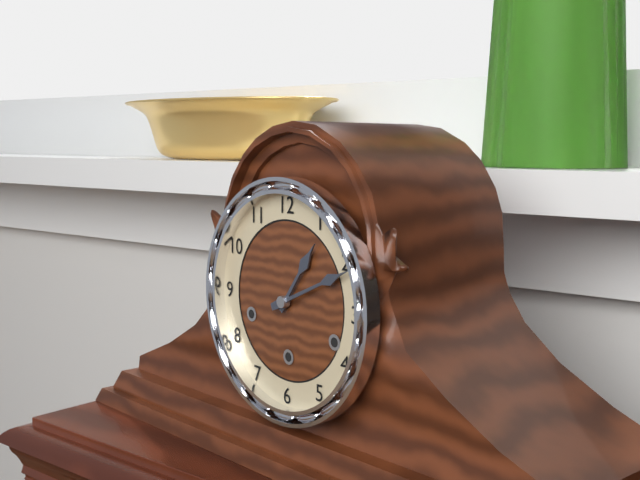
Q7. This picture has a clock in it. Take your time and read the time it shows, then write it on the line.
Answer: 1:11
